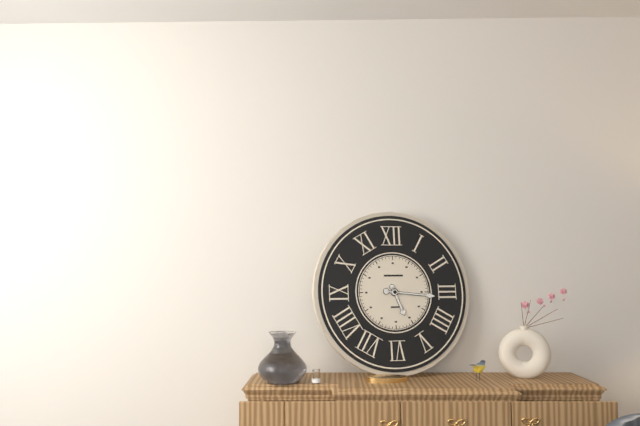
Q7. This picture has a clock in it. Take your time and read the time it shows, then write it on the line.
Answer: 5:16
